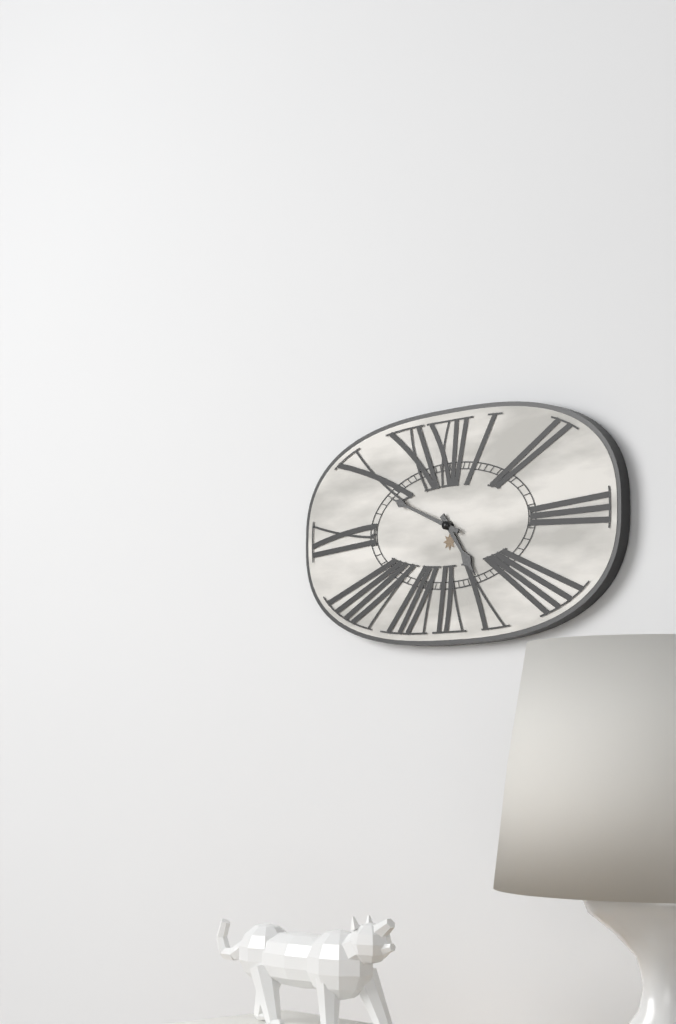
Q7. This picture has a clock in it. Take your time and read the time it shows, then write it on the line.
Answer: 4:49
